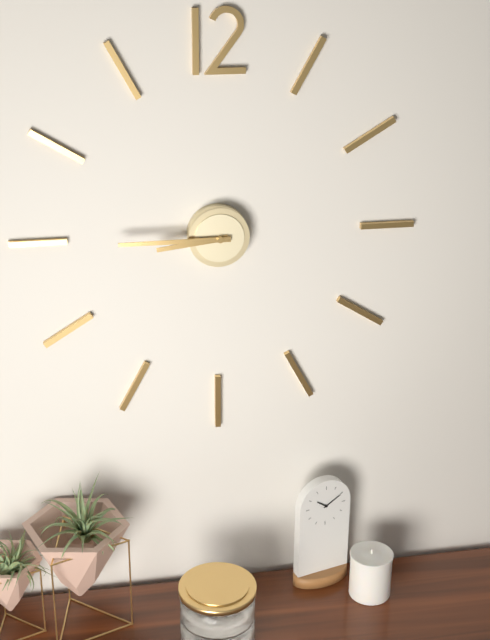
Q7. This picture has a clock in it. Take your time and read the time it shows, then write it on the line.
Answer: 8:45
